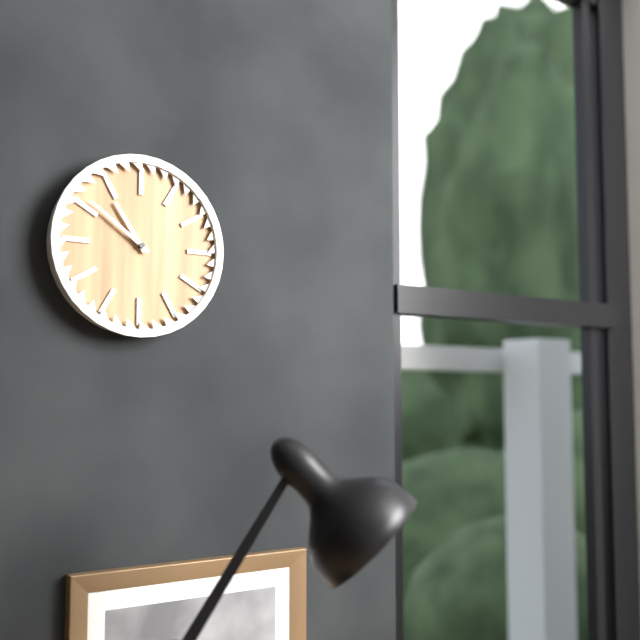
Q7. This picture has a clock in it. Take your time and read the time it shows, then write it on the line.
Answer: 10:51
